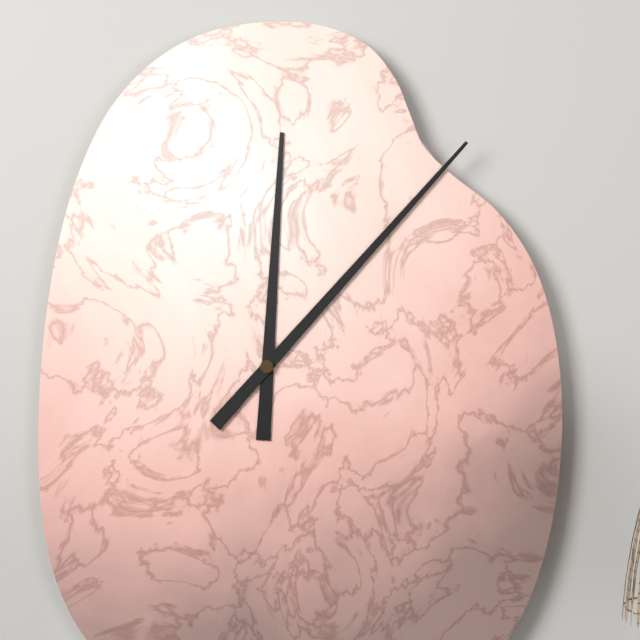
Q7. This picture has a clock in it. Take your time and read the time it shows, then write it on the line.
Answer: 12:07
